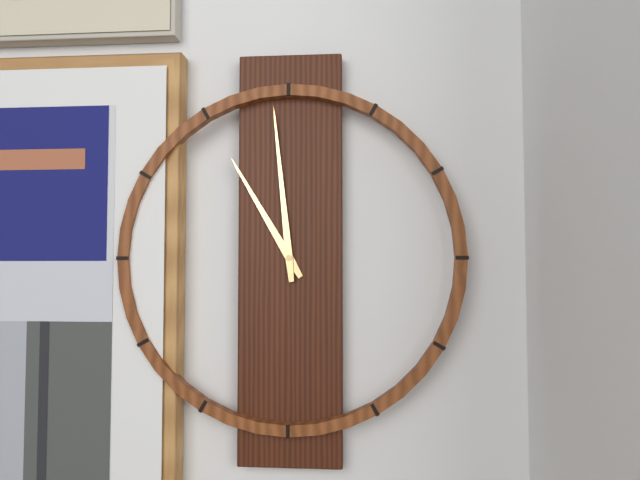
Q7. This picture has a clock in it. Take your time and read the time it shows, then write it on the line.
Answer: 10:59
